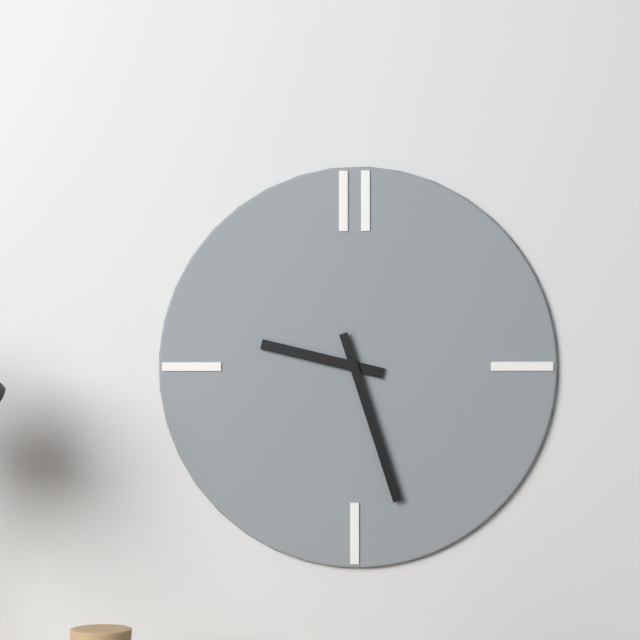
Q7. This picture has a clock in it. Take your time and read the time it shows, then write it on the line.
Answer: 9:27
